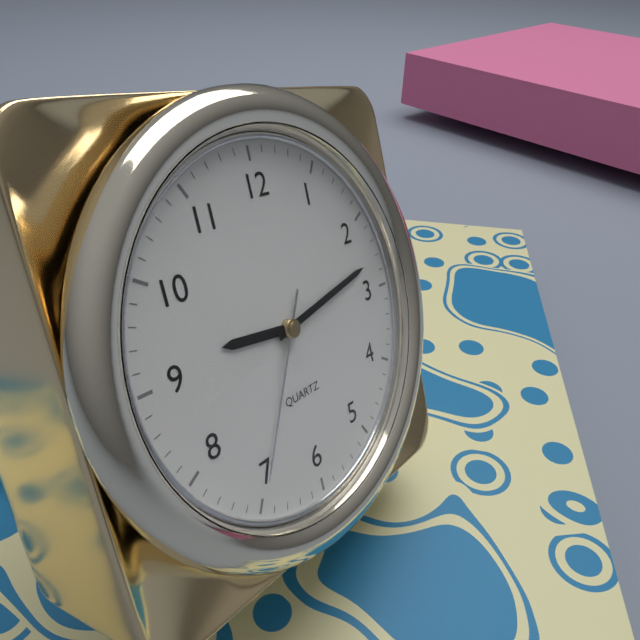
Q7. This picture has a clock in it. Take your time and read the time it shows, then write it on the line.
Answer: 9:13:35
